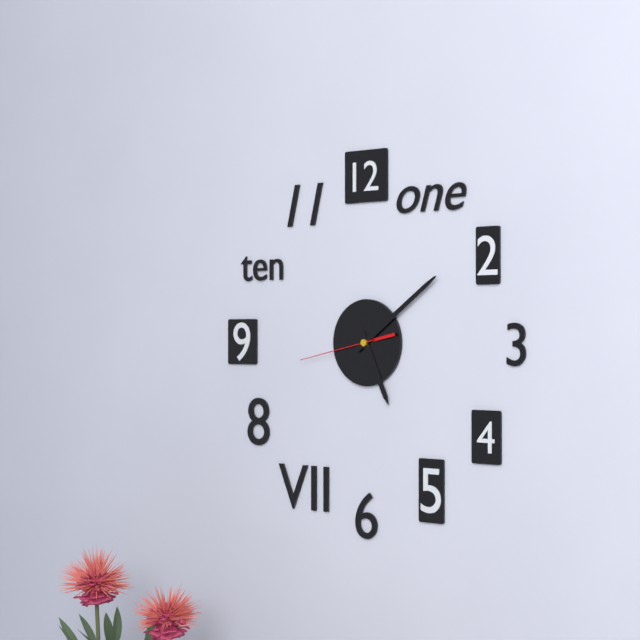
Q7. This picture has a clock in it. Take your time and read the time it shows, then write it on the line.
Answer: 5:09:43
